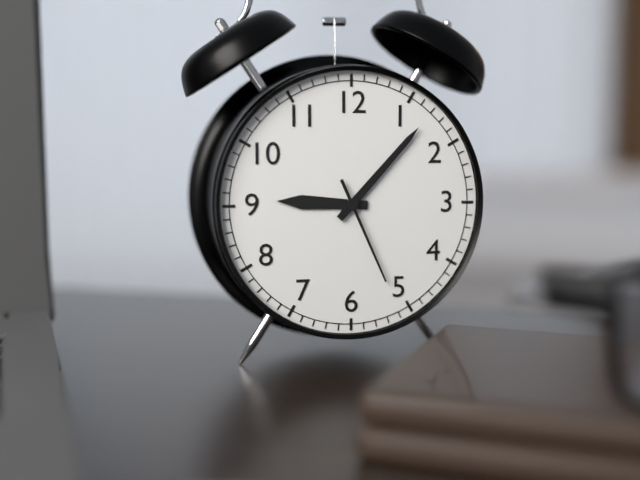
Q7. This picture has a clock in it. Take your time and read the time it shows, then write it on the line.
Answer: 9:07:26
